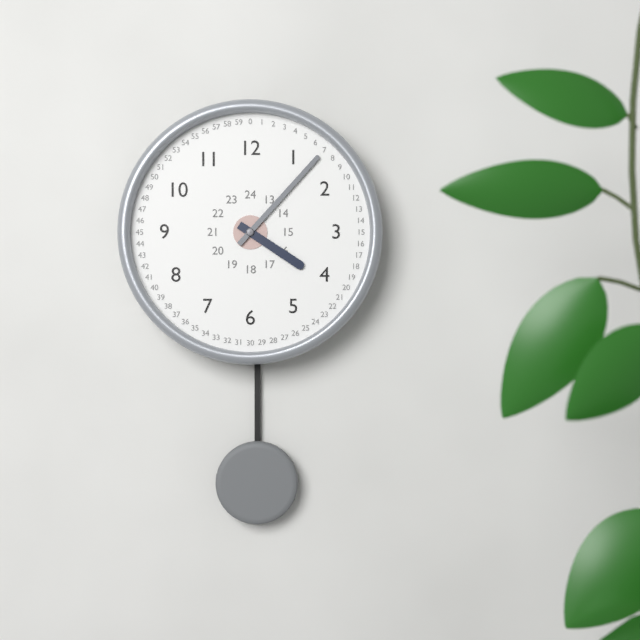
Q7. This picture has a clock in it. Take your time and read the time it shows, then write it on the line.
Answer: 4:07
